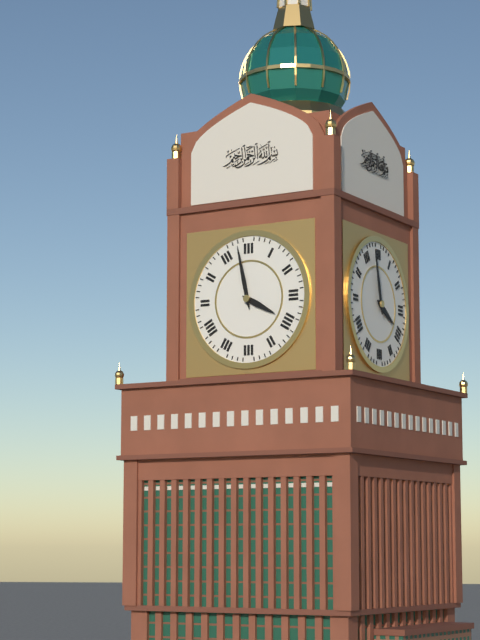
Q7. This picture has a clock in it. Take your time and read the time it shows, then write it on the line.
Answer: 3:58
